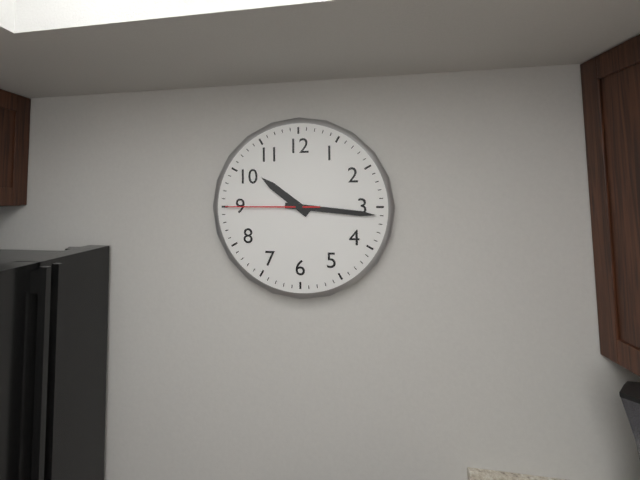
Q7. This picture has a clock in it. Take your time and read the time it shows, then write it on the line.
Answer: 10:16:45
